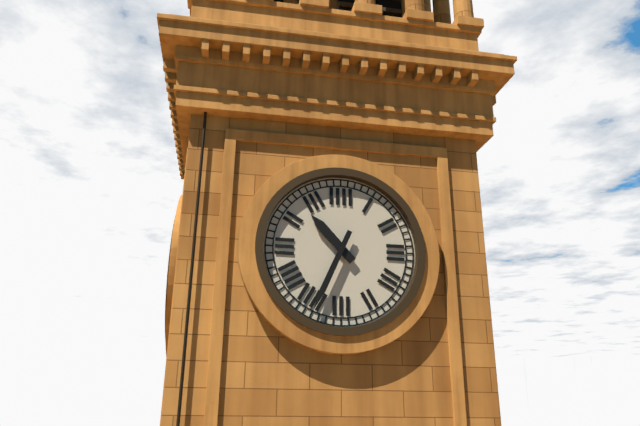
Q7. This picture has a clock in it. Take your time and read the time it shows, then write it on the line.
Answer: 10:34
